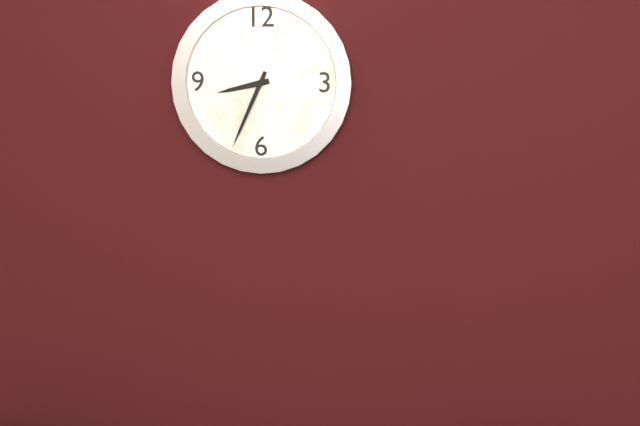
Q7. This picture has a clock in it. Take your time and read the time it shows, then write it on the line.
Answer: 8:34
